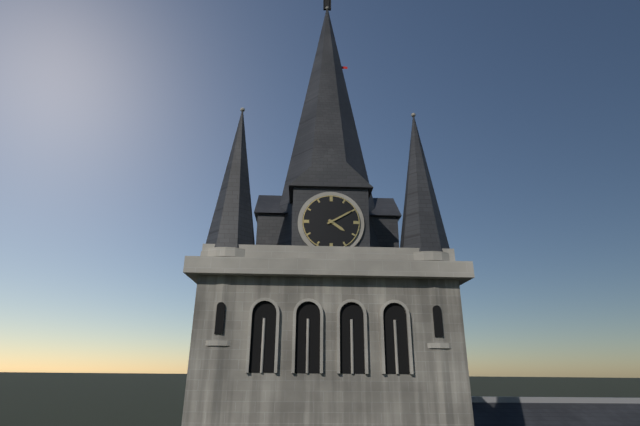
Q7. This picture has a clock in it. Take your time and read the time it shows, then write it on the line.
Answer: 4:10
